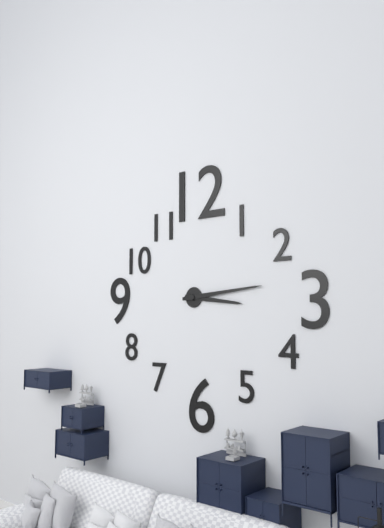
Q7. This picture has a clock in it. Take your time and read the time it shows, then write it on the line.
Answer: 3:14
